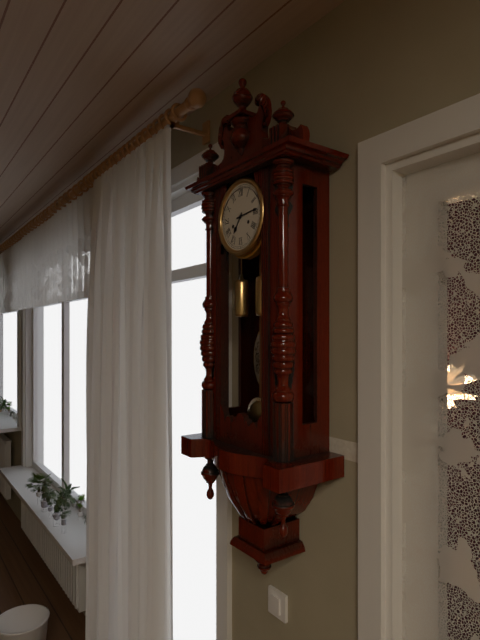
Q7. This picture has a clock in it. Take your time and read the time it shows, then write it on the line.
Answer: 7:14
